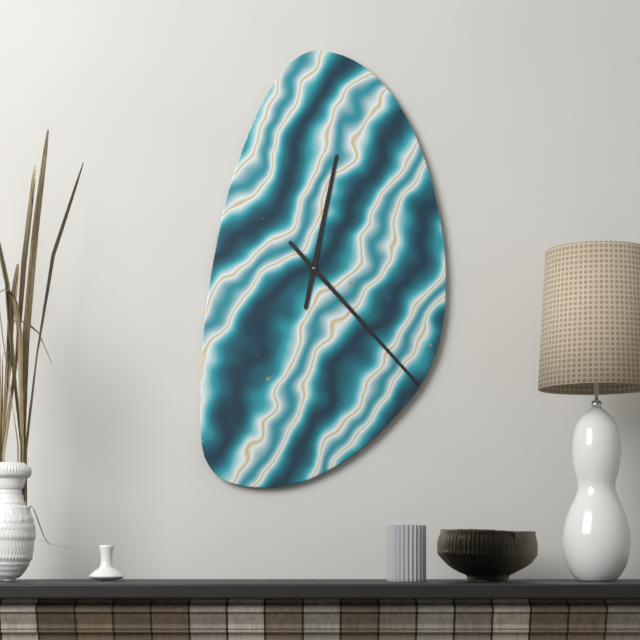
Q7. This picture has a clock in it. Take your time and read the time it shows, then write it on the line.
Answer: 12:23
